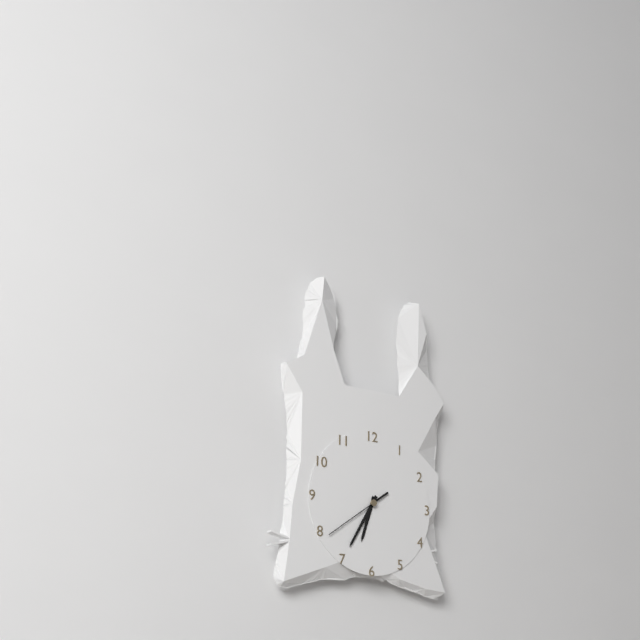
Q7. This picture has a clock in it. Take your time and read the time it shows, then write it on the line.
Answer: 6:35:39
